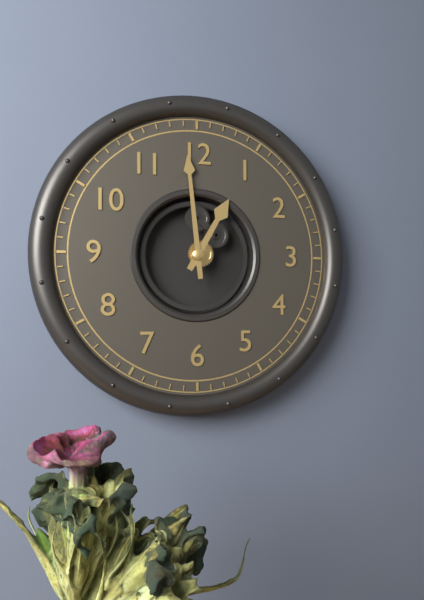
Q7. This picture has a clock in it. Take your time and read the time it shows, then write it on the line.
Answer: 12:59
